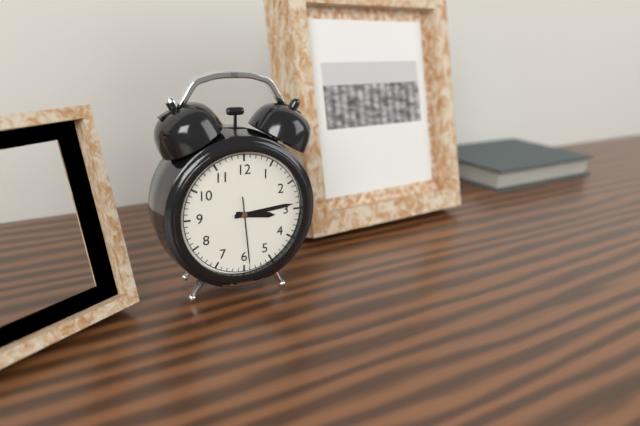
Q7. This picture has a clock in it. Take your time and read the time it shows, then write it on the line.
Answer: 3:14:29
